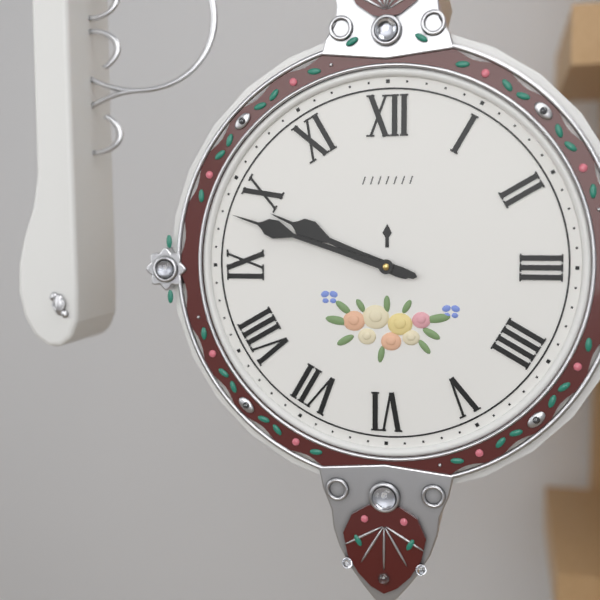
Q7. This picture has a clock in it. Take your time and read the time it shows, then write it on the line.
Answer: 9:48
